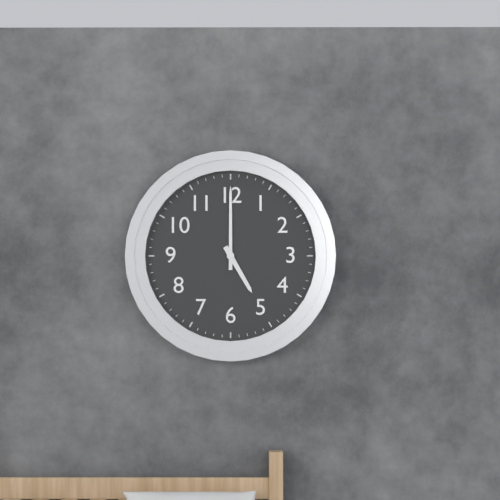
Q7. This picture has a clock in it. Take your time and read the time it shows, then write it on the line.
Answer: 5:00
